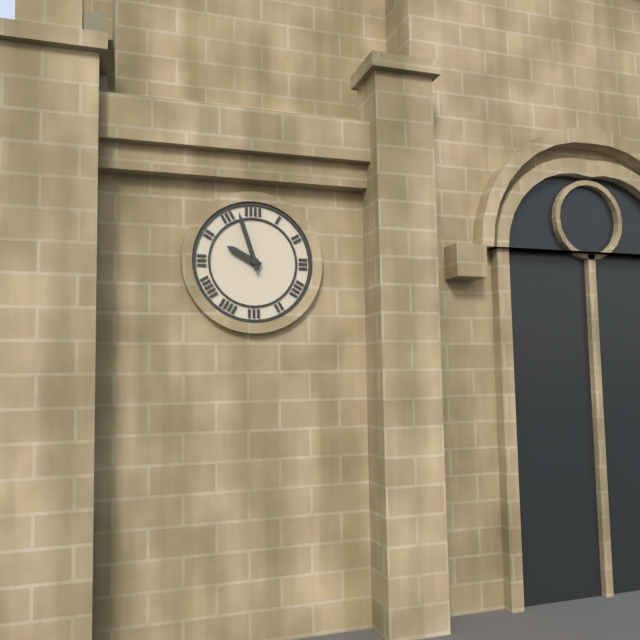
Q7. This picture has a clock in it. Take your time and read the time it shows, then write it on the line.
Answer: 9:57
